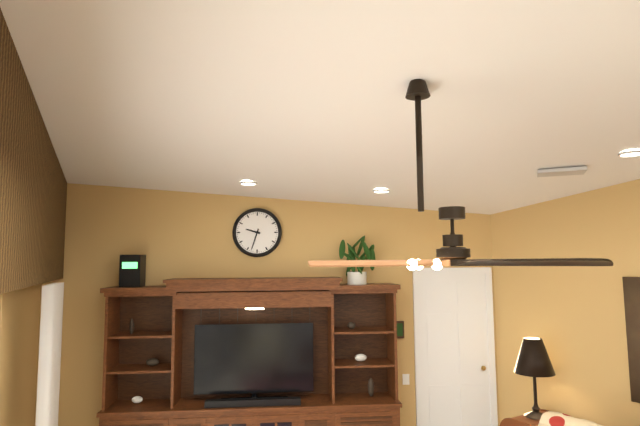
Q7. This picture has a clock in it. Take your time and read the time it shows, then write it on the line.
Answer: 9:33
